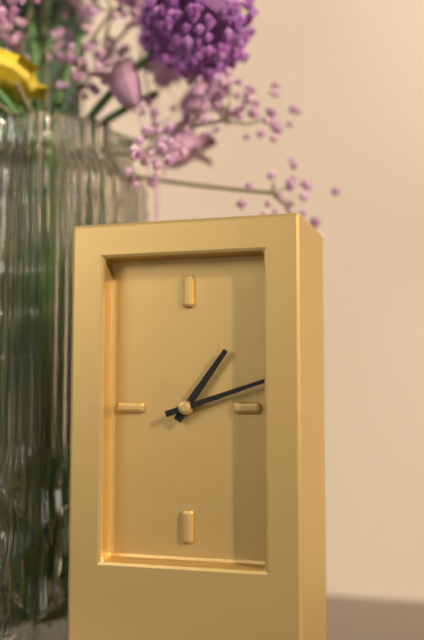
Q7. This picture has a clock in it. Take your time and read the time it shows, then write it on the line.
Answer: 1:12
